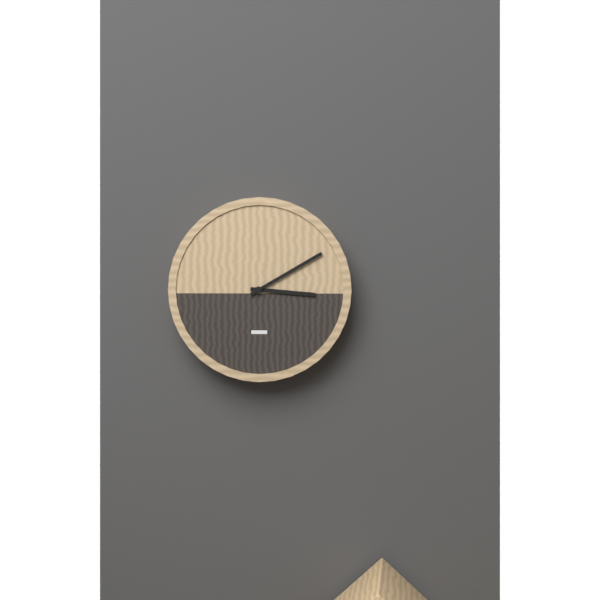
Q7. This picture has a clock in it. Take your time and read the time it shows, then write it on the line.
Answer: 3:10
